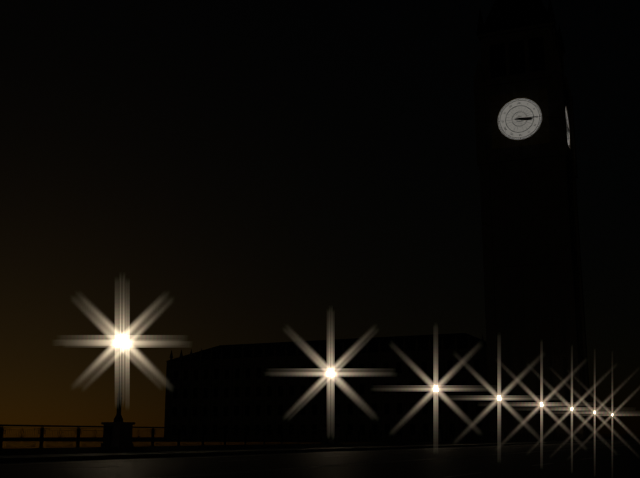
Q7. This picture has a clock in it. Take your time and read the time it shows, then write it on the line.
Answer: 3:15
